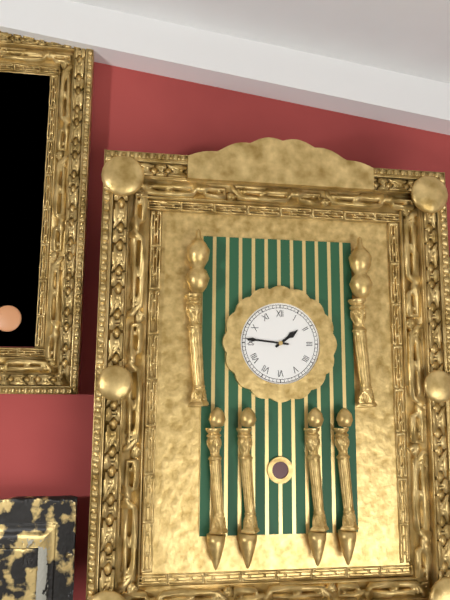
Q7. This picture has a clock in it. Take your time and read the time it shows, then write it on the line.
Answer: 1:46
